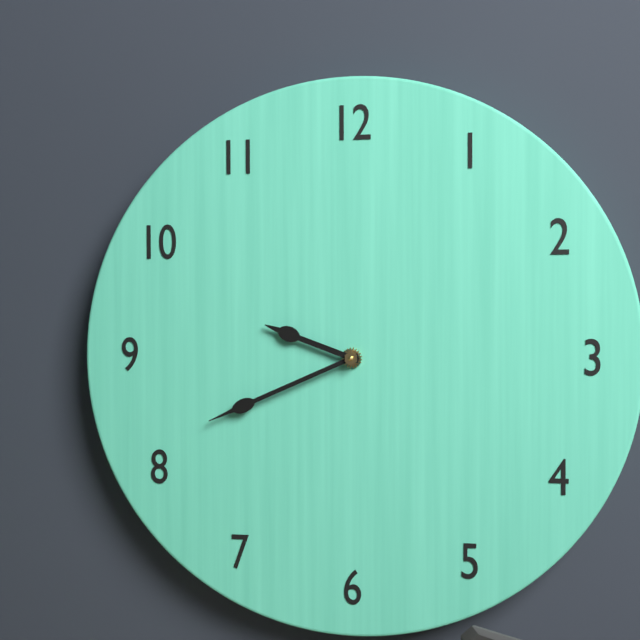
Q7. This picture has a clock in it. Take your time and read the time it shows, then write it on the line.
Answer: 9:41
